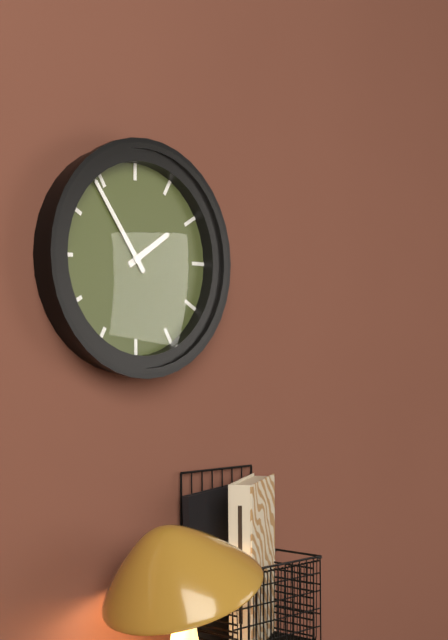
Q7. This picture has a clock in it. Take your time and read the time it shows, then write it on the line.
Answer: 1:54
